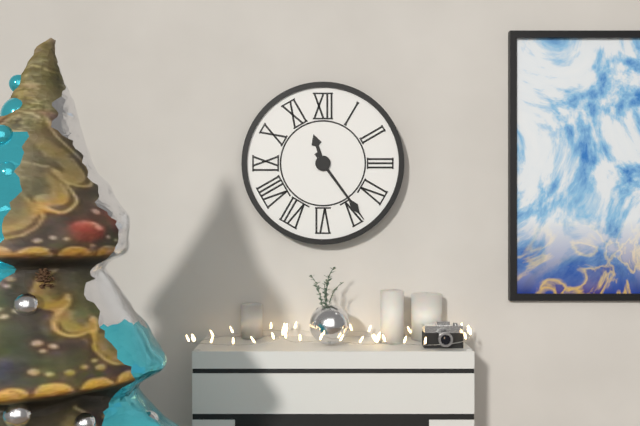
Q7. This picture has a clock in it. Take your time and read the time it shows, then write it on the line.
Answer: 11:24
